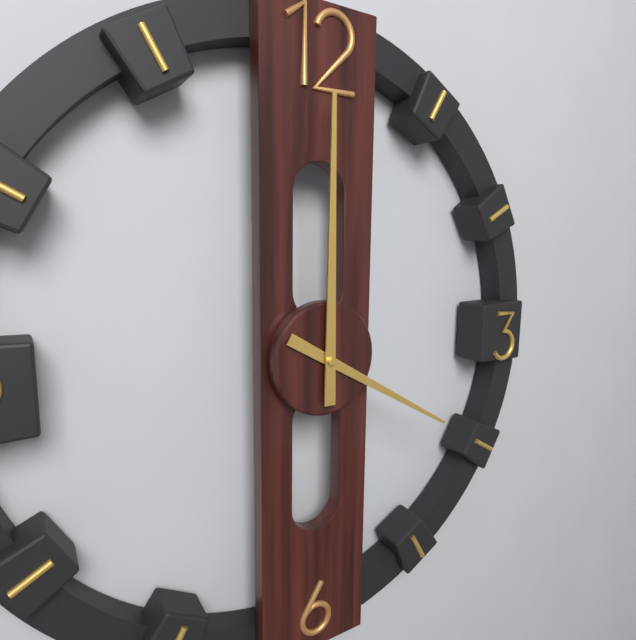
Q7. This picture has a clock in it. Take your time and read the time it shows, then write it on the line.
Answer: 4:00
